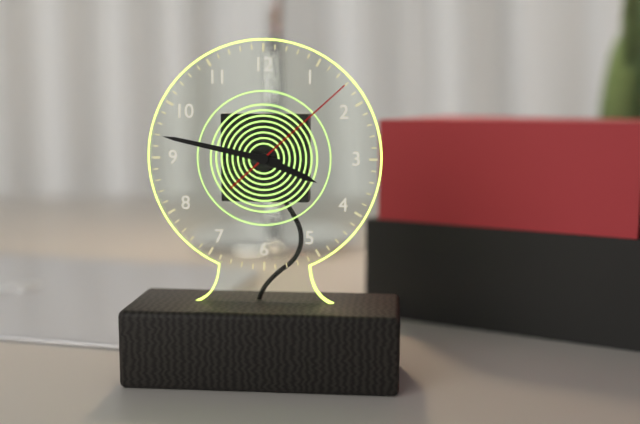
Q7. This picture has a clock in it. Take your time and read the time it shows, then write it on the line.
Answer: 3:47:08
